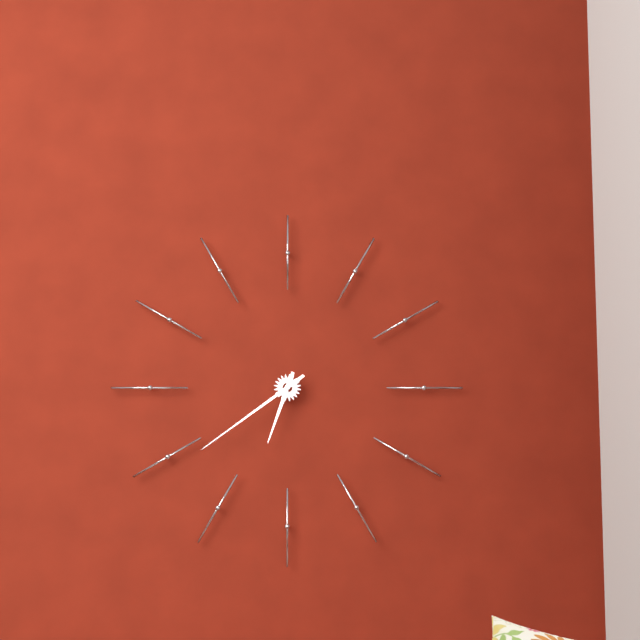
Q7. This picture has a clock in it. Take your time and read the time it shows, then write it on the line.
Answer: 6:39
